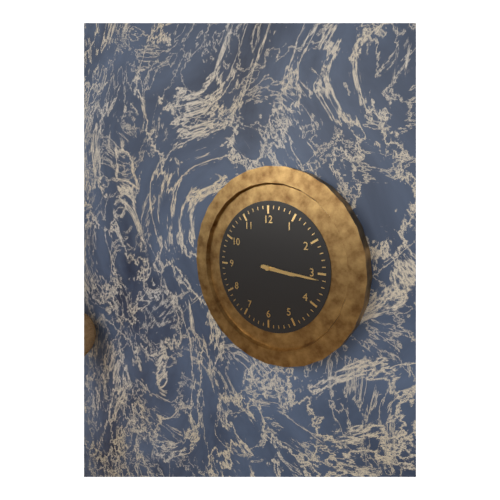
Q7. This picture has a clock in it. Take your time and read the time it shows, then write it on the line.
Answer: 3:16
